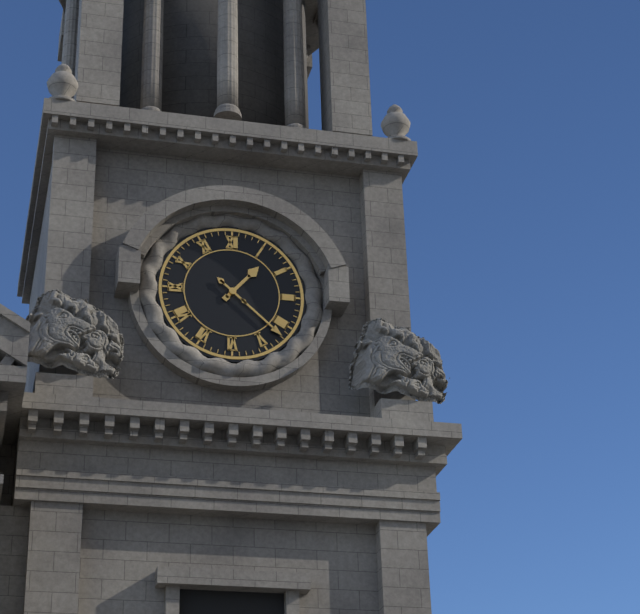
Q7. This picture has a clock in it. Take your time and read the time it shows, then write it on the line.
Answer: 1:22
